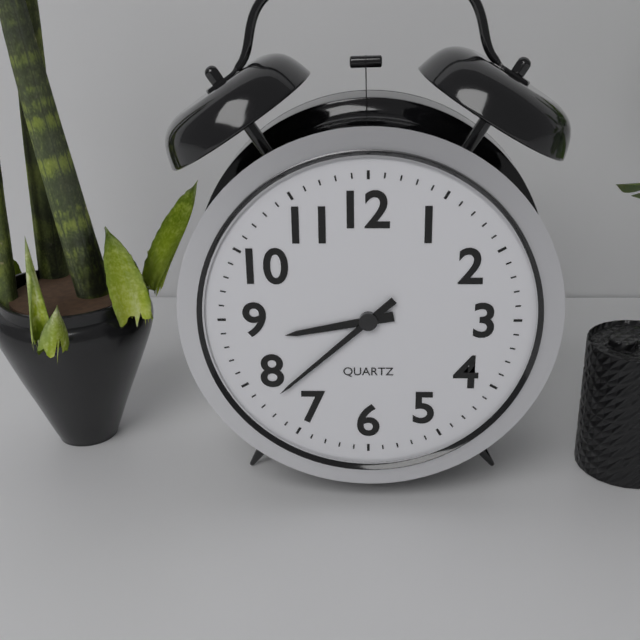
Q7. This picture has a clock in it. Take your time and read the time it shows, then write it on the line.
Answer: 8:38
